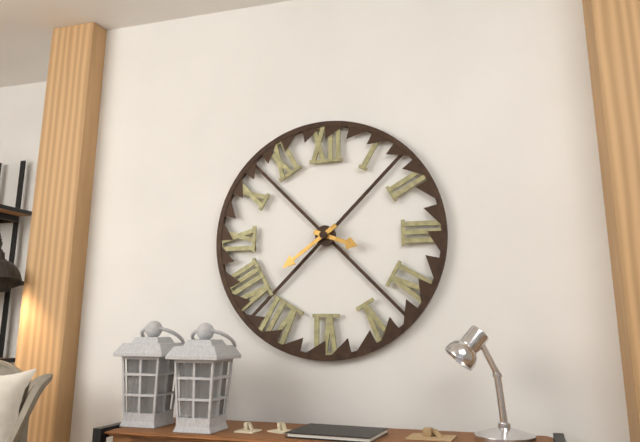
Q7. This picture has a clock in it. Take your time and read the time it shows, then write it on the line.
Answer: 3:39
